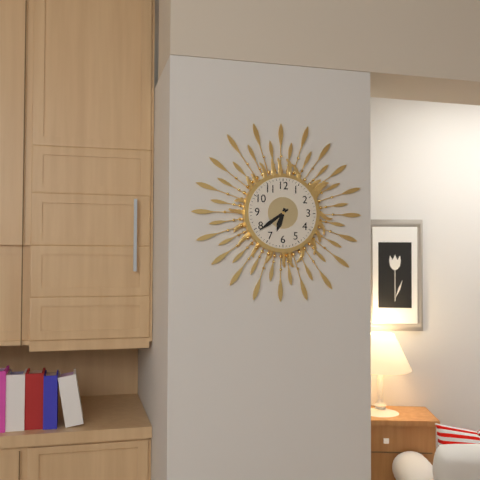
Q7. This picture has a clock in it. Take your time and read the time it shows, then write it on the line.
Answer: 6:39
